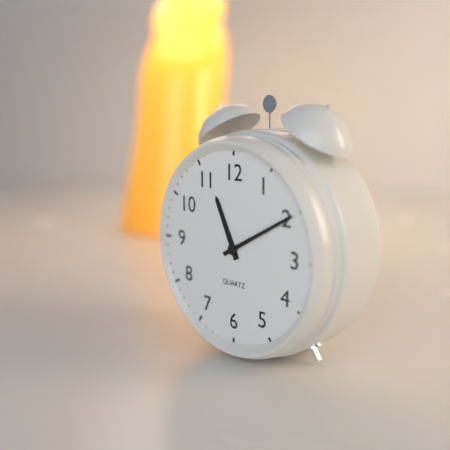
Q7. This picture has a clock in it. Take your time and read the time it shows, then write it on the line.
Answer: 11:10
